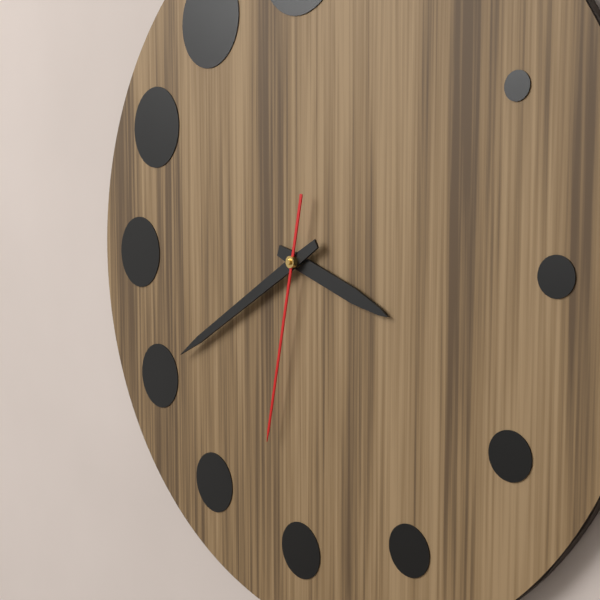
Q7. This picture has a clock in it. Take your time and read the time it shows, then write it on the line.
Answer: 3:40:32
